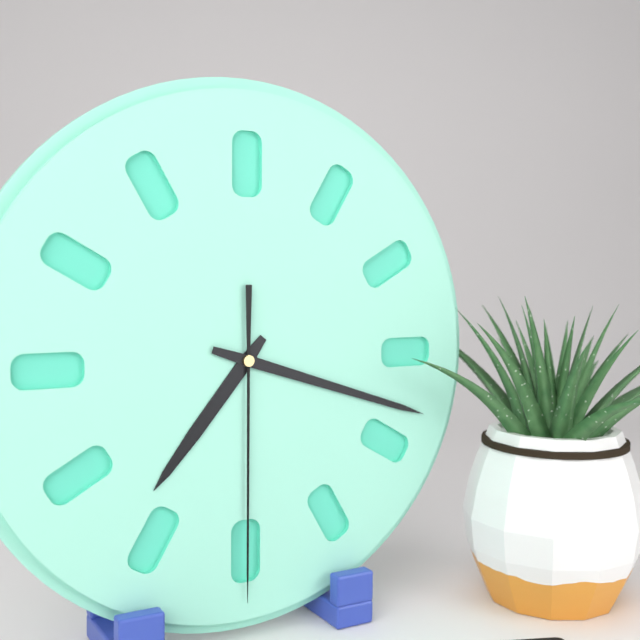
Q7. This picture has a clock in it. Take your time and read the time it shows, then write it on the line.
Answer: 7:18:30
